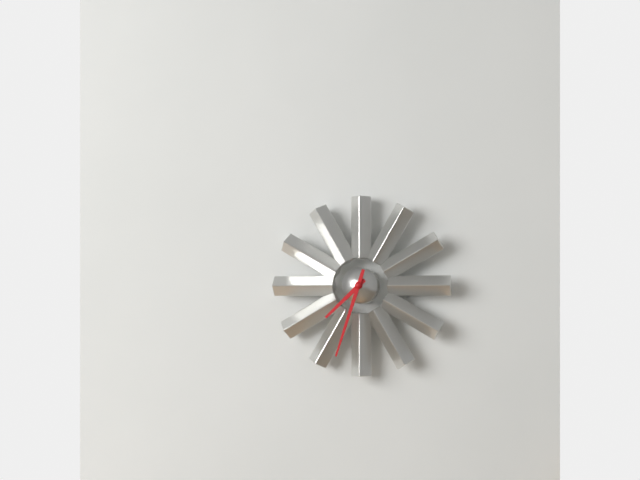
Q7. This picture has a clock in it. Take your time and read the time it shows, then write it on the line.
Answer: 7:33
